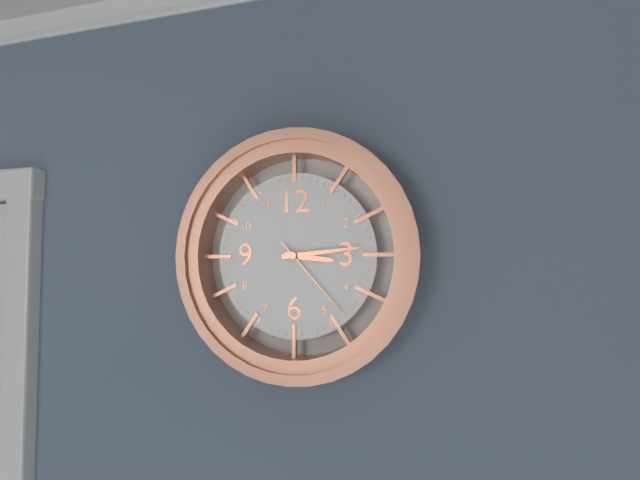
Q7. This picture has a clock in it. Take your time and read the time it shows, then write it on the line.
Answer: 3:14:23
